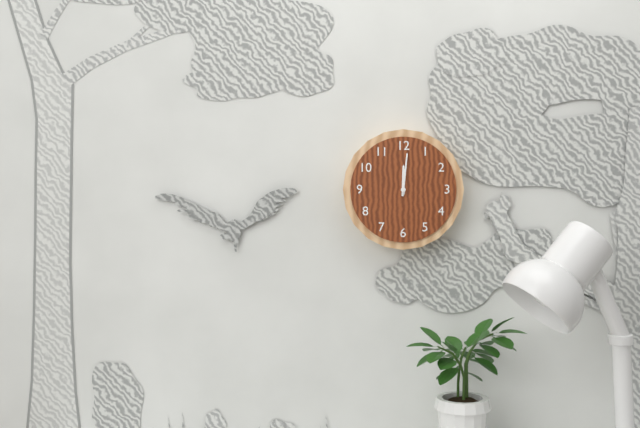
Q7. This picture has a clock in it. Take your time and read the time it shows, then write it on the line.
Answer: 12:01
